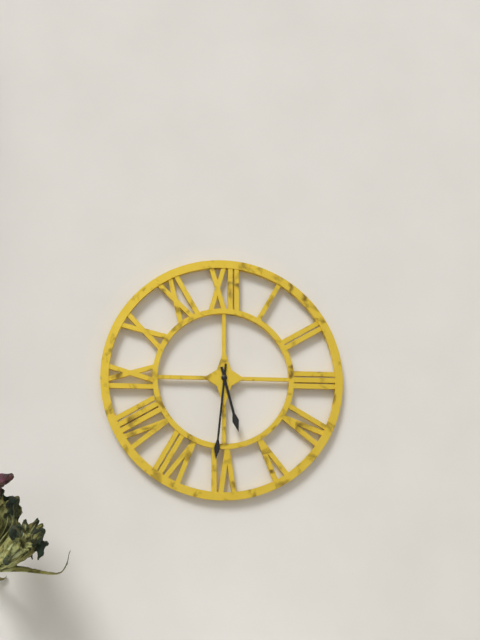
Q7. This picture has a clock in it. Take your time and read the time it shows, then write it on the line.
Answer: 5:31
